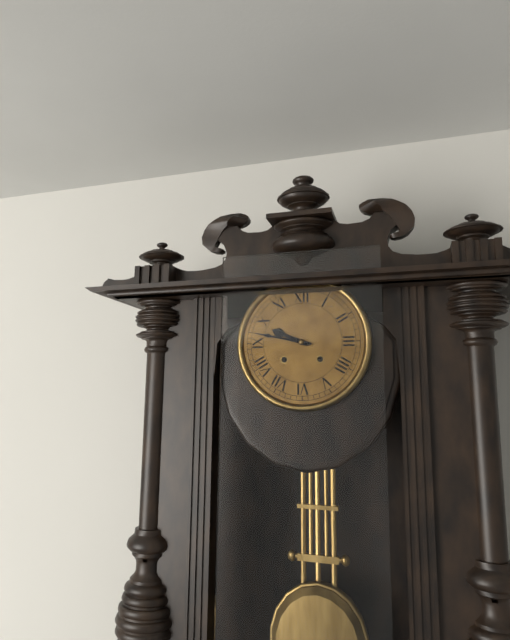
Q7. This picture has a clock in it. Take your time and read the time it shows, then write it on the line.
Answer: 9:47
